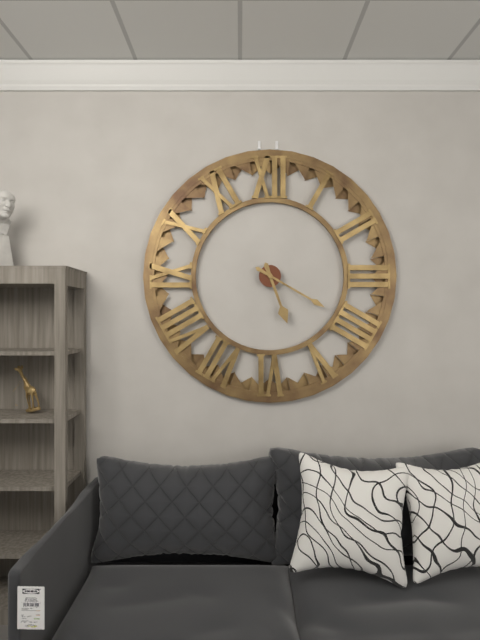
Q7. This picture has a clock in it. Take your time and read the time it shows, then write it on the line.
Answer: 5:20
